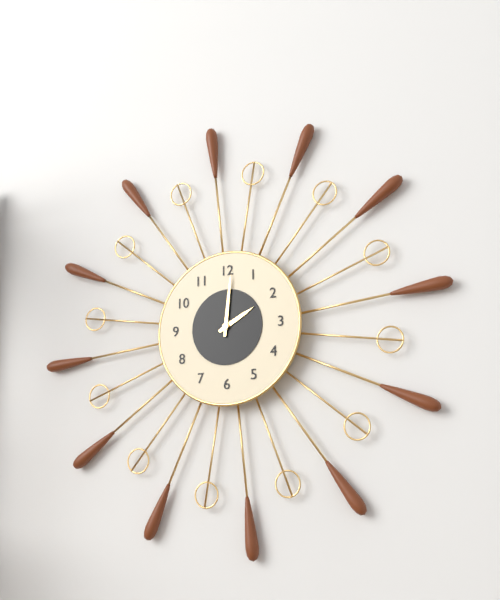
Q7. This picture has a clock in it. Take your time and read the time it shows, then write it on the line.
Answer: 2:01
